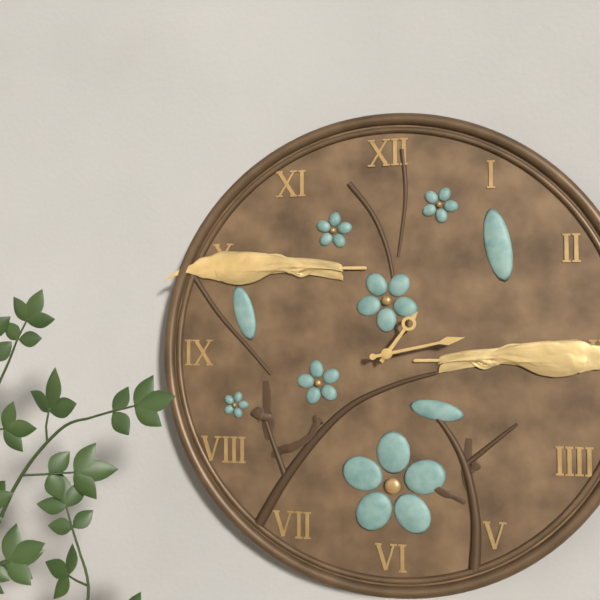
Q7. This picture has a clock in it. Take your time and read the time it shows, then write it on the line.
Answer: 1:13
